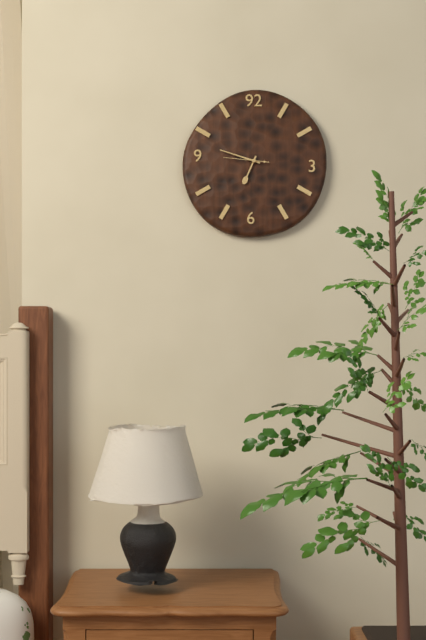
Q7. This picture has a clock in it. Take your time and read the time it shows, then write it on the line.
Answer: 6:48
